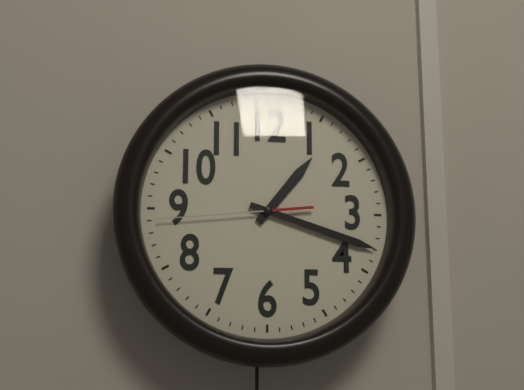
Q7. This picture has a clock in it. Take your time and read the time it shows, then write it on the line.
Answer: 1:18:44
